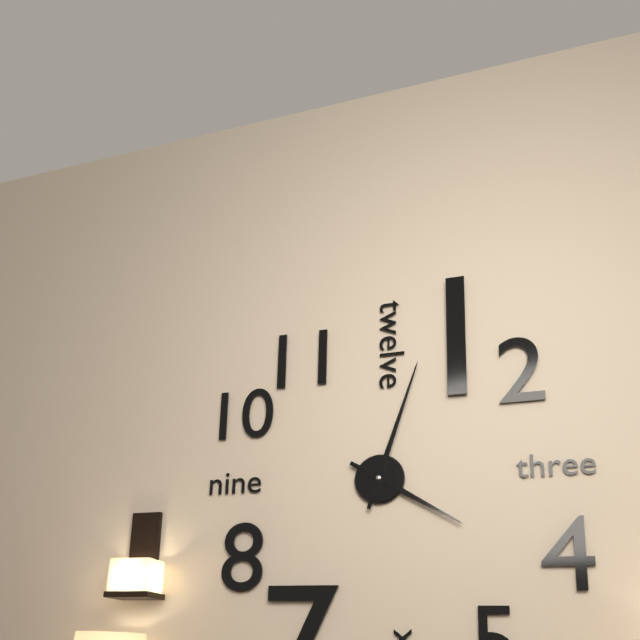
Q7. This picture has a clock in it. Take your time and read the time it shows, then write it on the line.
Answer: 4:03
